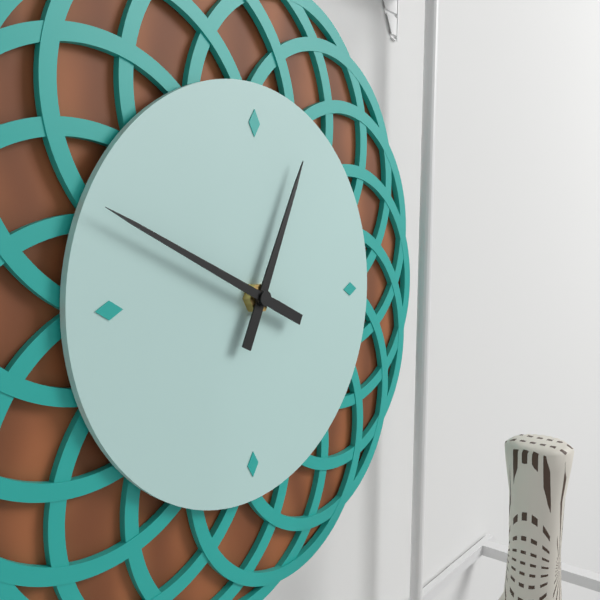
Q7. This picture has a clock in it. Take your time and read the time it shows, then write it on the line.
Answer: 12:49
